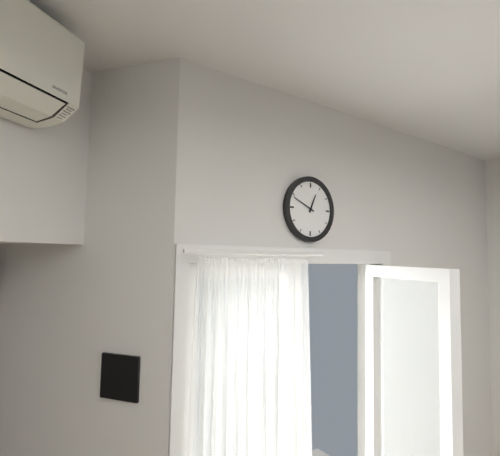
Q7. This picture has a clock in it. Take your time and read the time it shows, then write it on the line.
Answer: 12:49
